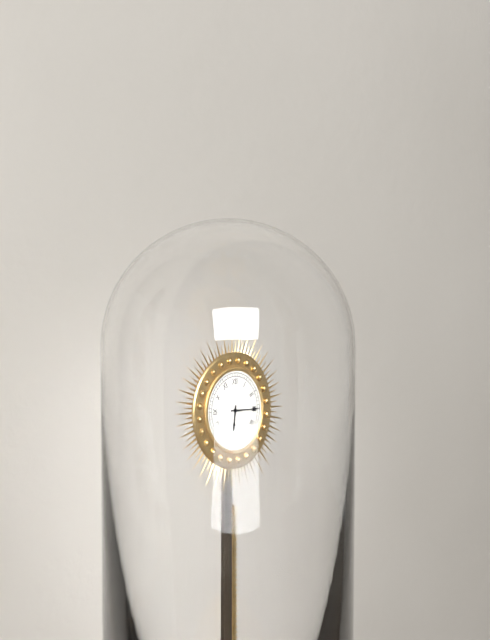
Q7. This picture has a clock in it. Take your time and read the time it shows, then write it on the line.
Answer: 6:15
